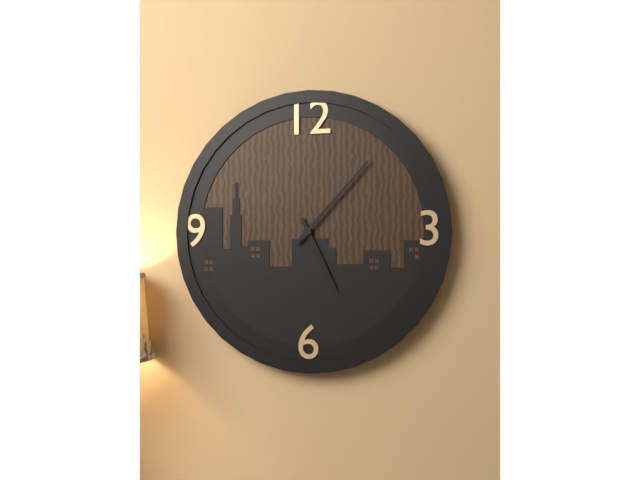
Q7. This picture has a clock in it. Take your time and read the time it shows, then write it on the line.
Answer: 5:07
